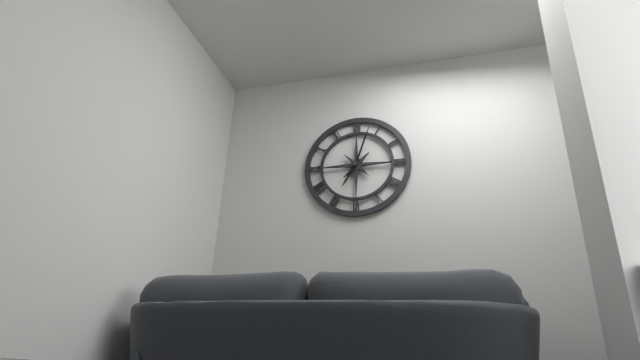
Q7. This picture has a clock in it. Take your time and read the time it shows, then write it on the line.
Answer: 7:03
